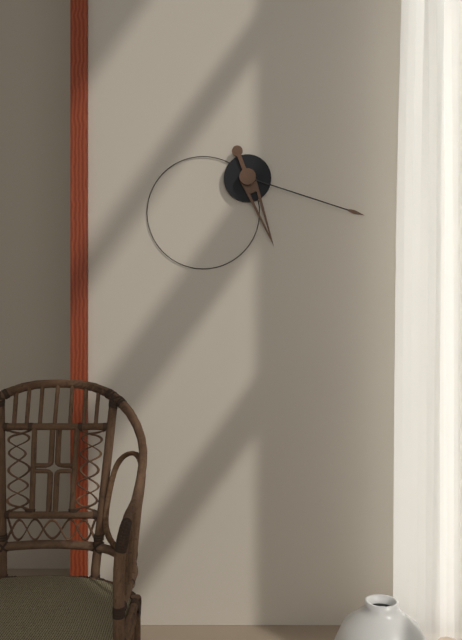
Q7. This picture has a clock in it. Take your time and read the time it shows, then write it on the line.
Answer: 5:18
